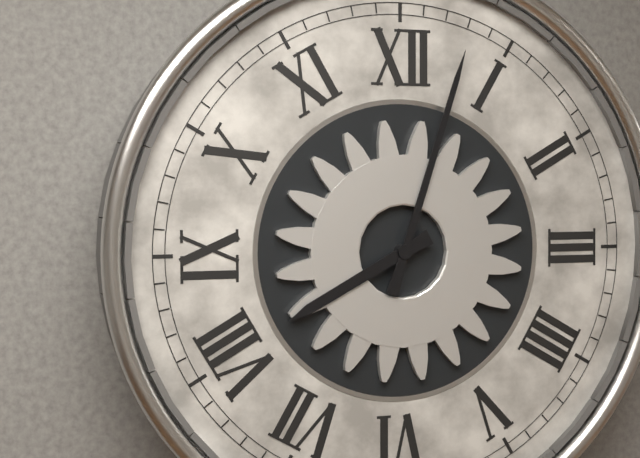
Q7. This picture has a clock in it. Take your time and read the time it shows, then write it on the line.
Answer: 8:03
